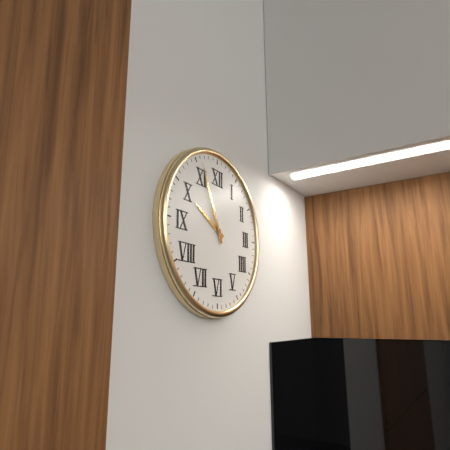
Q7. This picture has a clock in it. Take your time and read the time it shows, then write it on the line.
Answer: 9:56
